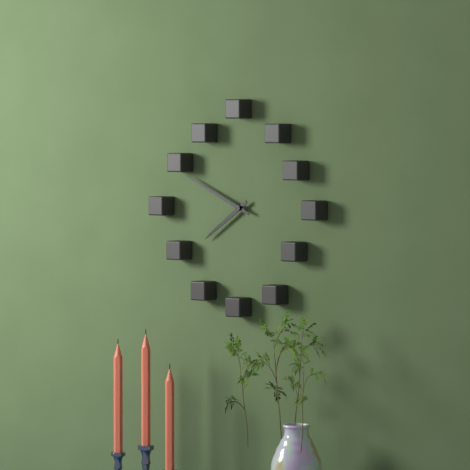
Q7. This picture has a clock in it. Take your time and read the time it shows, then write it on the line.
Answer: 7:49
